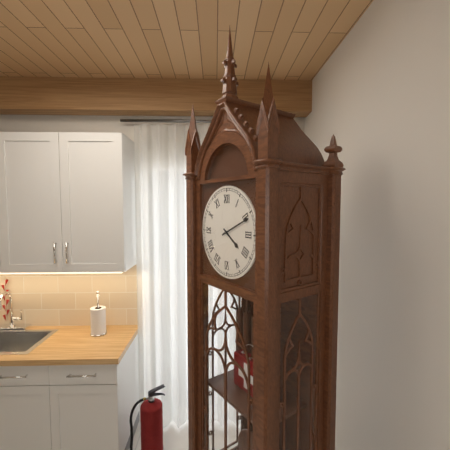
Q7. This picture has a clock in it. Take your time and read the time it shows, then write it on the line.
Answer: 4:11
